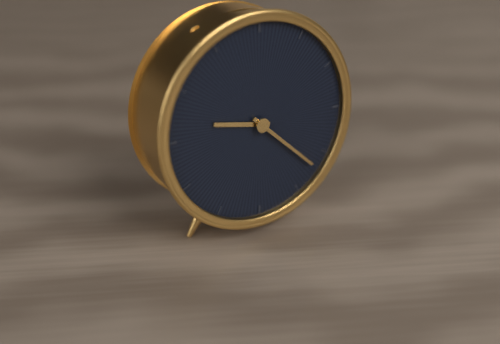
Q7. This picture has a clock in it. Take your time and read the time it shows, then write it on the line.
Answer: 9:22
